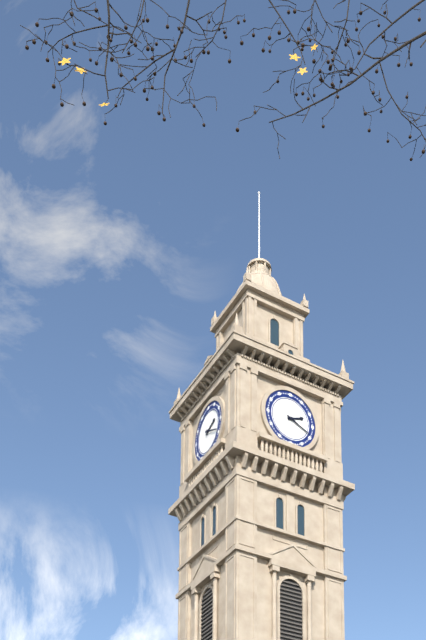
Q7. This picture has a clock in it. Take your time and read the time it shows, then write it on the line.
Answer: 2:19
